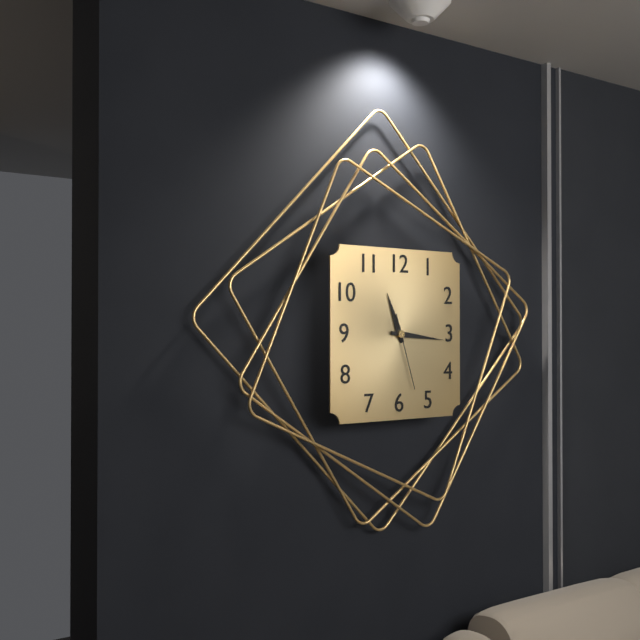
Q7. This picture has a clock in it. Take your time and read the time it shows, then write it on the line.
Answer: 11:16:27
